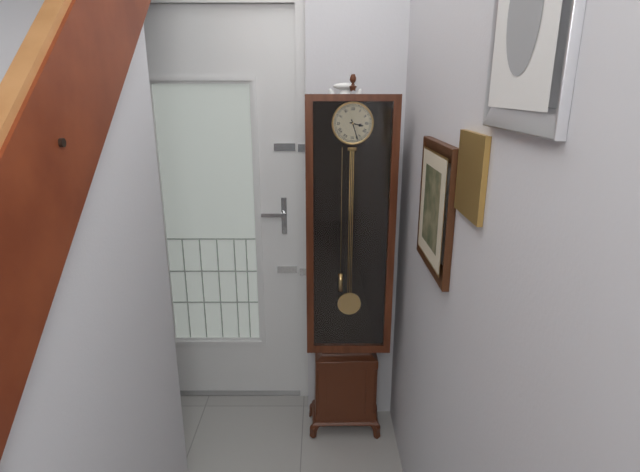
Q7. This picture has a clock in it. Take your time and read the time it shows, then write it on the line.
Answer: 3:27
